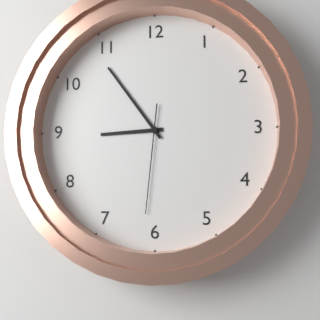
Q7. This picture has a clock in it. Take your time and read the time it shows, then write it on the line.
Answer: 8:54:31
